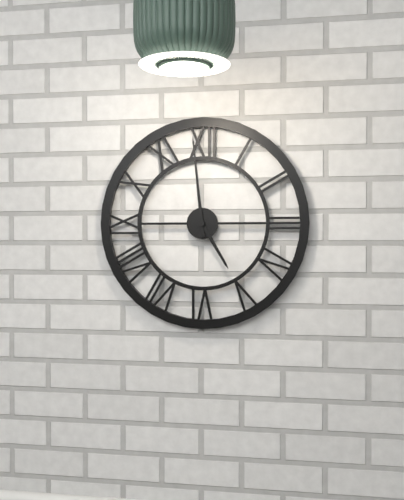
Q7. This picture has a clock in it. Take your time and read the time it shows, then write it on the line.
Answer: 4:59
